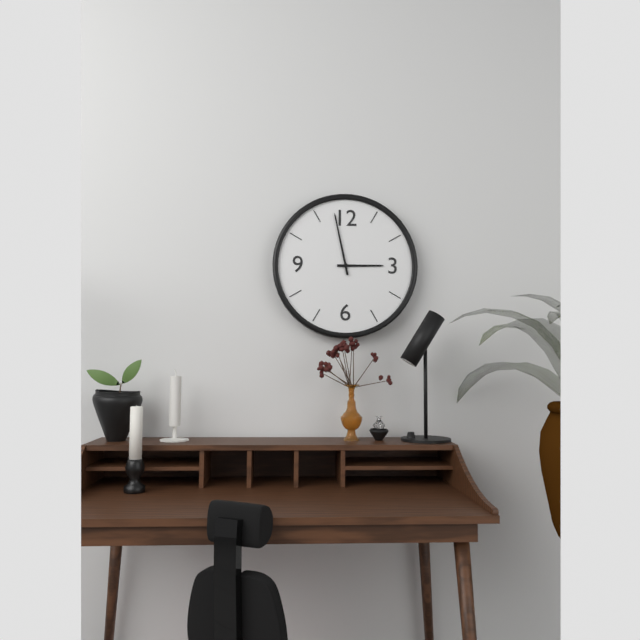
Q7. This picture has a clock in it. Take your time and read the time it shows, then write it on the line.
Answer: 2:58
